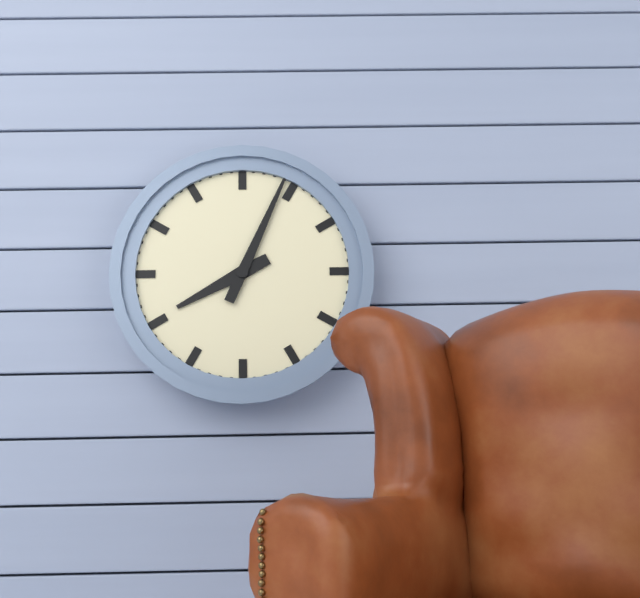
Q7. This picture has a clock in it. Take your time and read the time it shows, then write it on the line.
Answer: 8:04
